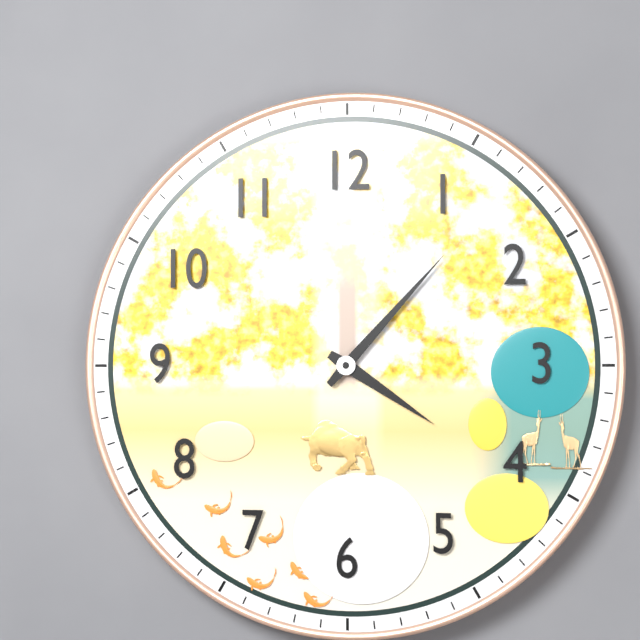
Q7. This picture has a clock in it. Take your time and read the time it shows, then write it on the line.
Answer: 4:07
